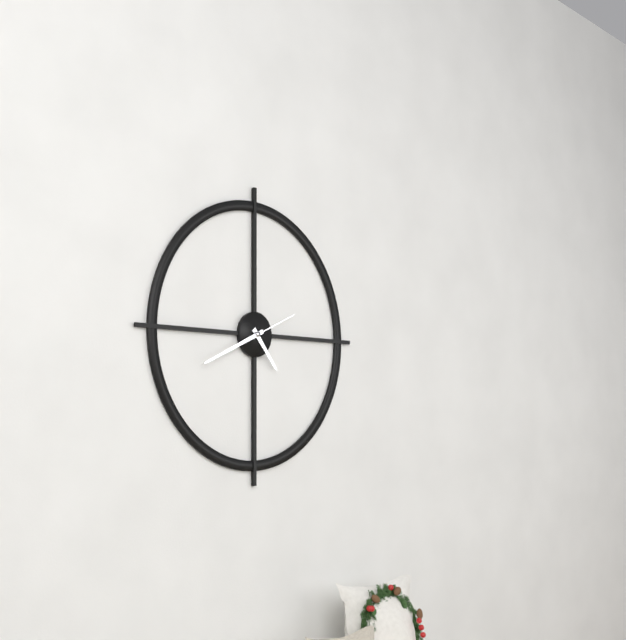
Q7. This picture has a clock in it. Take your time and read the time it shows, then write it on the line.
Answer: 4:41:11
